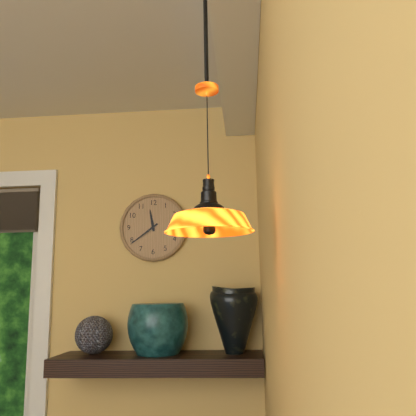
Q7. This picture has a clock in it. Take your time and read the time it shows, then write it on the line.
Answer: 11:39
